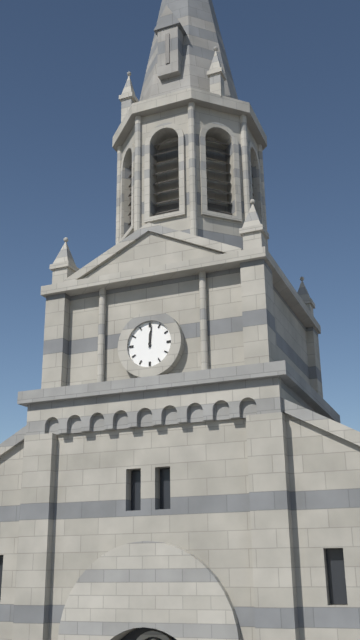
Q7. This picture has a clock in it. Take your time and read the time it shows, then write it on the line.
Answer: 12:01
